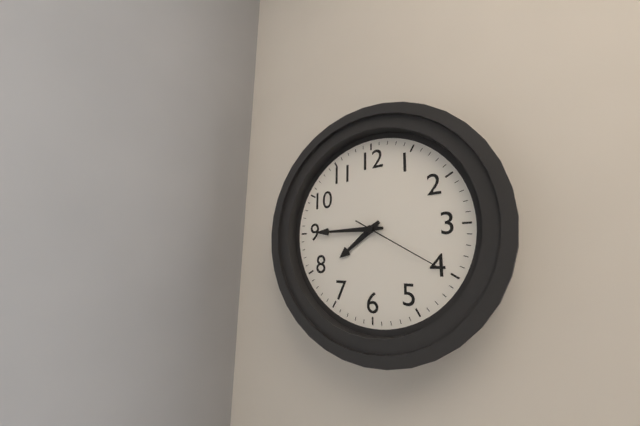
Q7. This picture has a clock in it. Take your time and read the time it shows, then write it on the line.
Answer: 7:45:20
